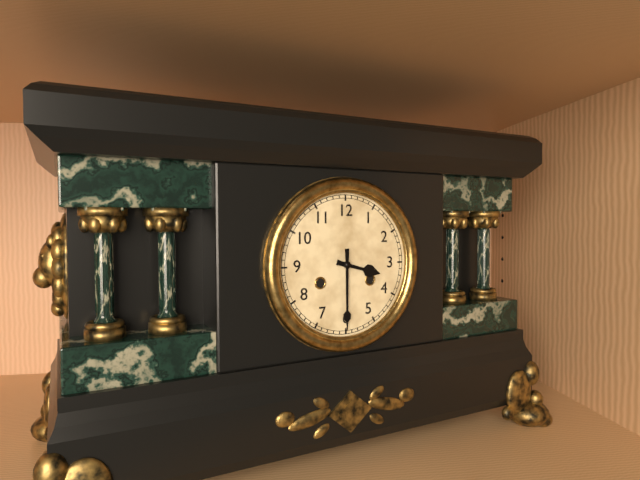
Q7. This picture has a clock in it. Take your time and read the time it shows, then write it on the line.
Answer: 3:30
